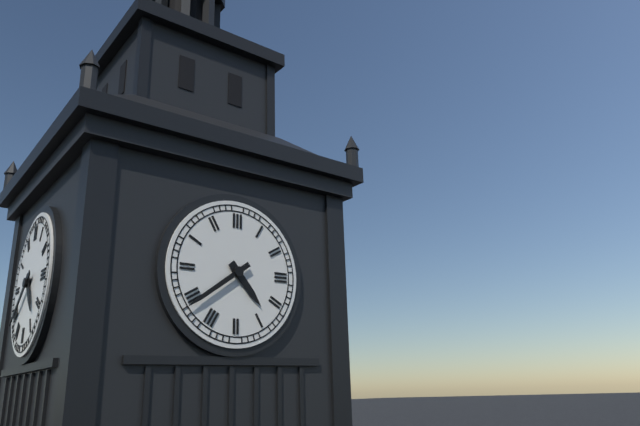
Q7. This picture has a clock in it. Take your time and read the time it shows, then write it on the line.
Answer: 4:39
